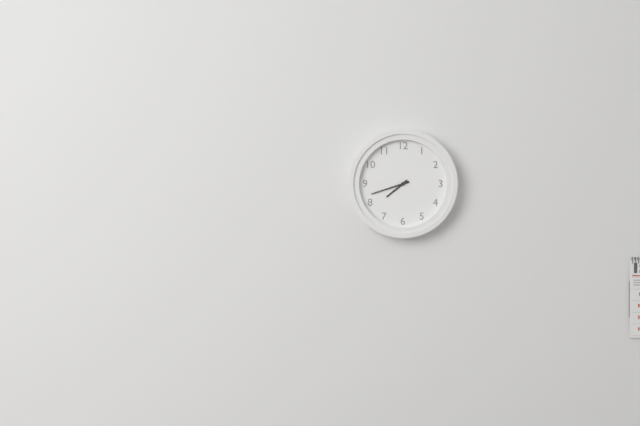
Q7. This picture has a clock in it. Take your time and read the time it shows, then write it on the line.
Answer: 7:42
